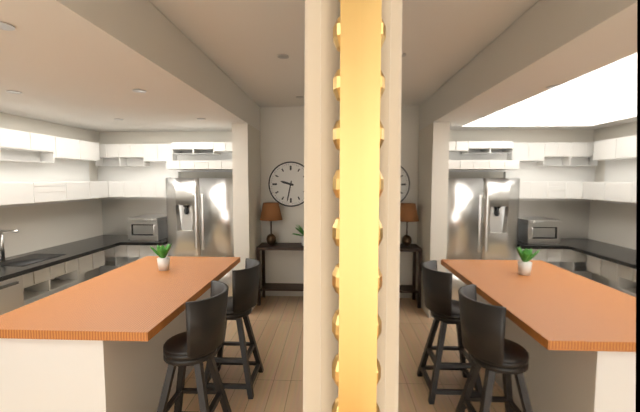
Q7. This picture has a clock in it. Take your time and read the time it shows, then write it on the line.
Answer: 9:32
